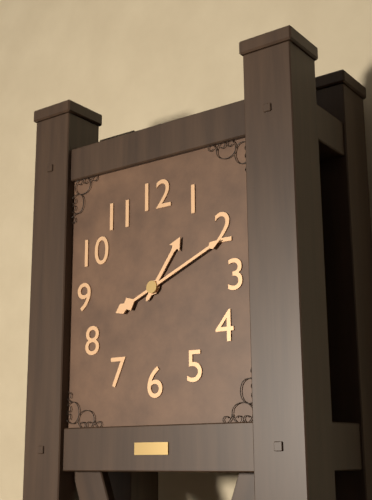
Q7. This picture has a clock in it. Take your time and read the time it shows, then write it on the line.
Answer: 1:11
